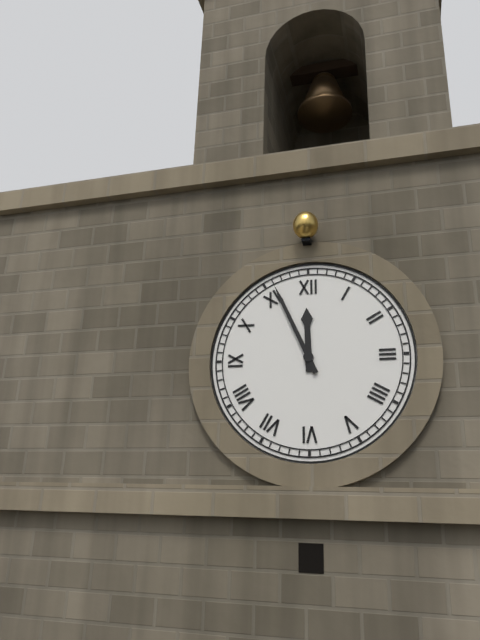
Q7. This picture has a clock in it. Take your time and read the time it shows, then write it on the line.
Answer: 11:56
